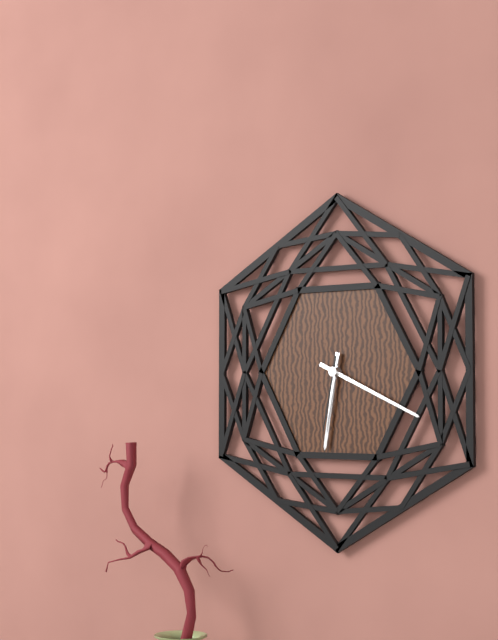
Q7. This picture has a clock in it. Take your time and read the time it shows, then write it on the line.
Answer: 6:19:32
